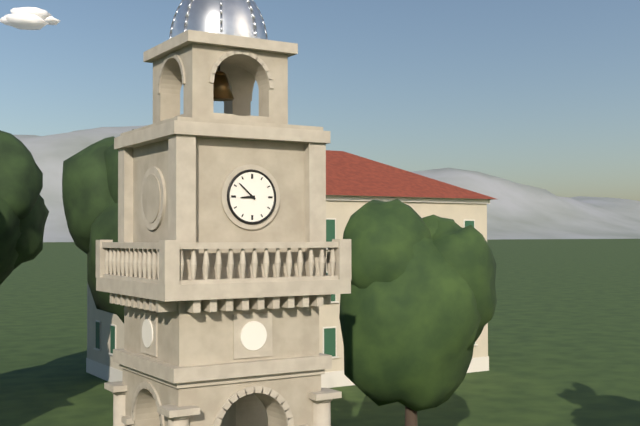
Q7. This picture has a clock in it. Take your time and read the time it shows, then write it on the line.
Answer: 8:52
